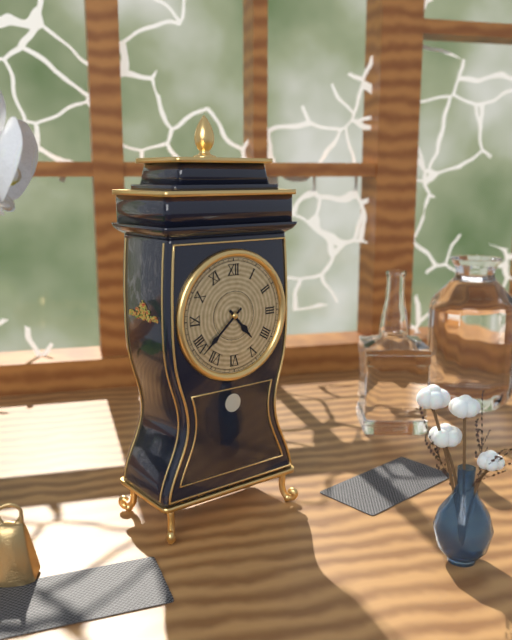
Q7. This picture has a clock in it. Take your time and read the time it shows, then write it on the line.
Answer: 4:38
